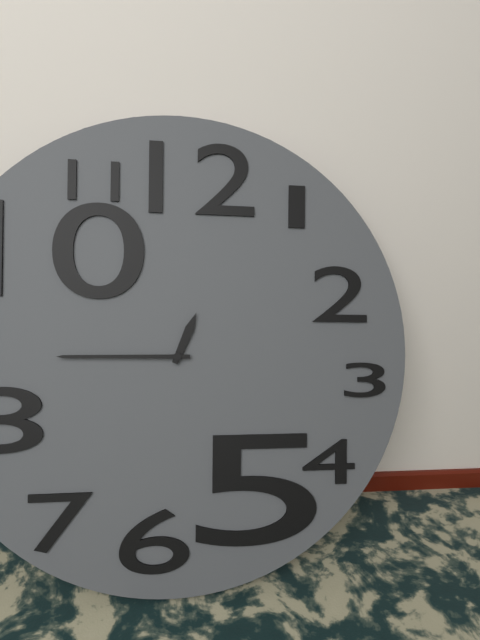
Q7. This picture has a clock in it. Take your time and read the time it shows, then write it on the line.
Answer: 12:45
